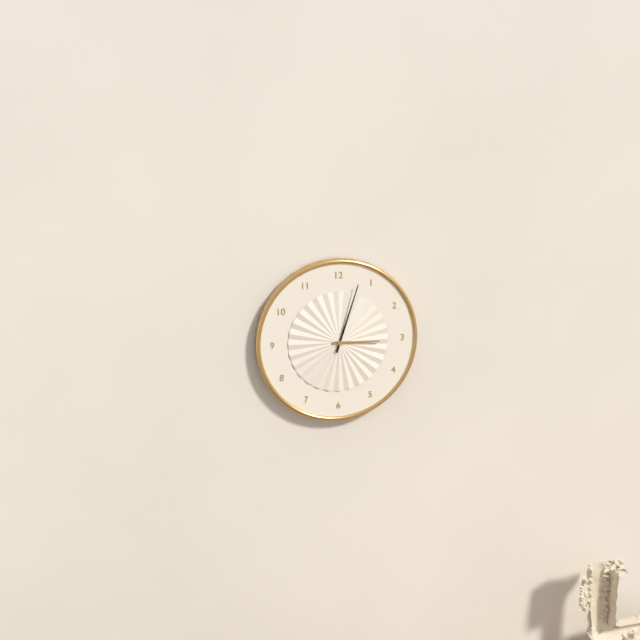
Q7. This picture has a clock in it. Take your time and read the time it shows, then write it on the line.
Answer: 3:03
